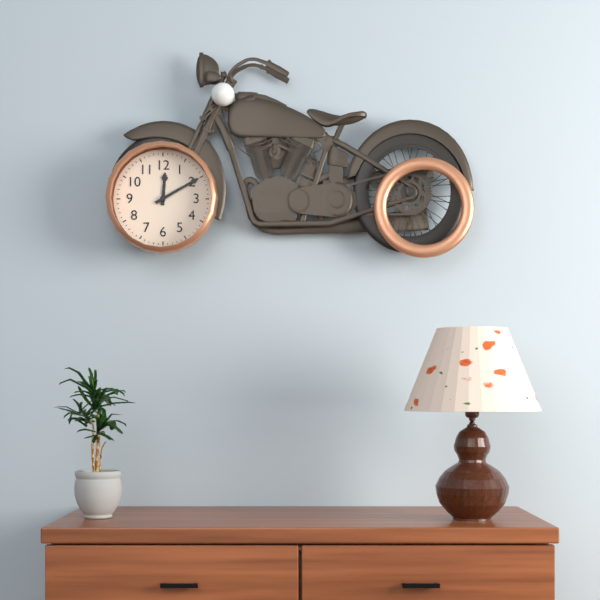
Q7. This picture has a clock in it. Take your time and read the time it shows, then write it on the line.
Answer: 12:10
